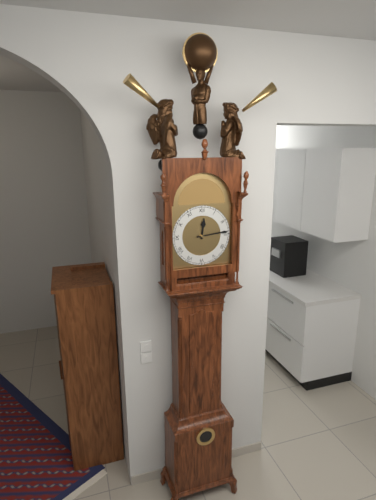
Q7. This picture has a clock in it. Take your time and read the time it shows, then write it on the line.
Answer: 12:14
